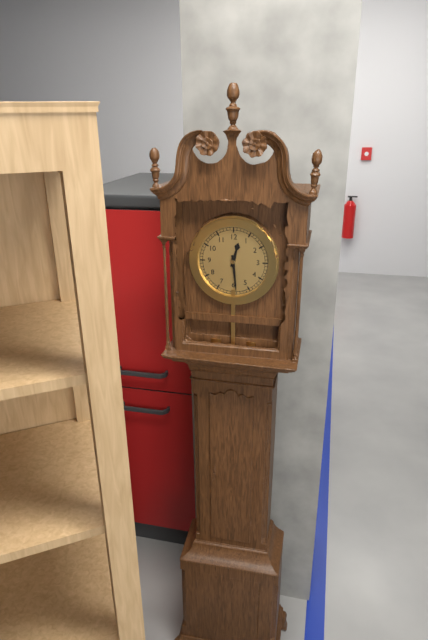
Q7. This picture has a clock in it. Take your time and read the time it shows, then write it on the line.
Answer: 12:29
